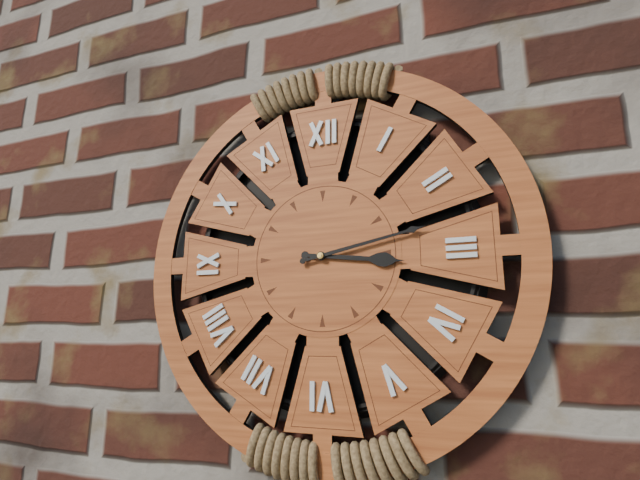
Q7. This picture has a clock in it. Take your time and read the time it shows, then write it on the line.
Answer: 3:13
